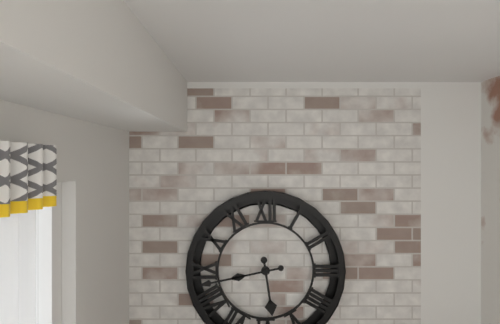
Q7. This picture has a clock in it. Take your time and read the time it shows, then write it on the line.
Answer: 5:43
